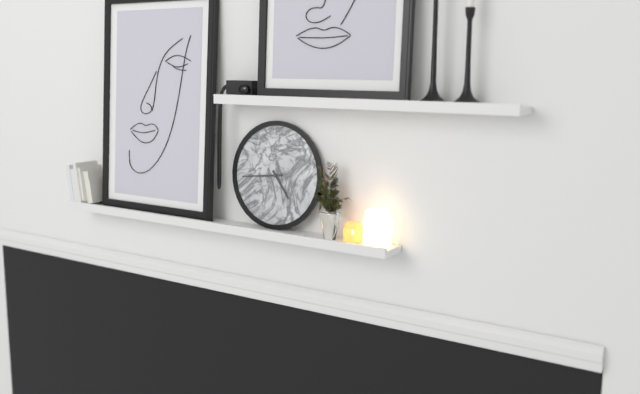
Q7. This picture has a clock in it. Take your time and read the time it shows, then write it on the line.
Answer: 4:44
